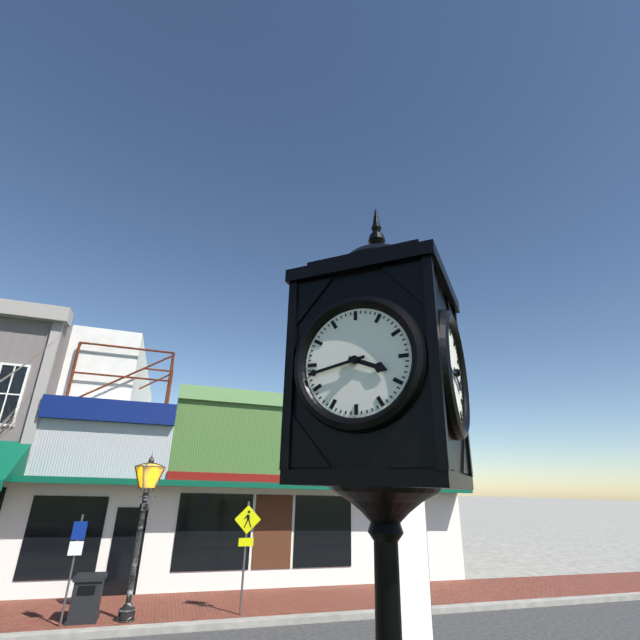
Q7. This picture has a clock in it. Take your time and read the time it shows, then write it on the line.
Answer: 3:43
